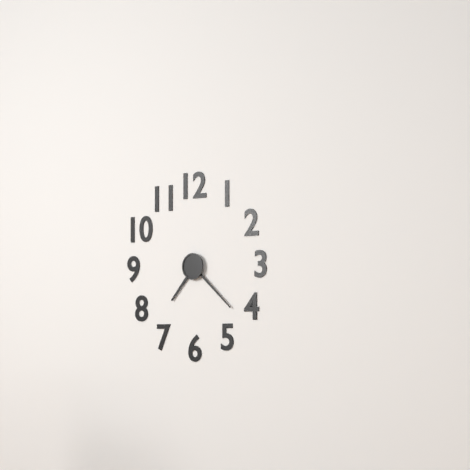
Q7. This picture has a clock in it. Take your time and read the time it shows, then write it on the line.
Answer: 7:22
